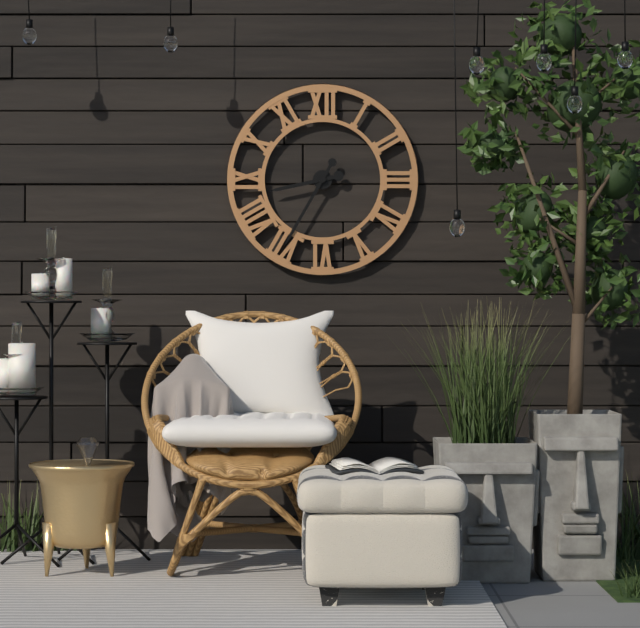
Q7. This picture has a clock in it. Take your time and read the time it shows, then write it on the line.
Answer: 8:35
